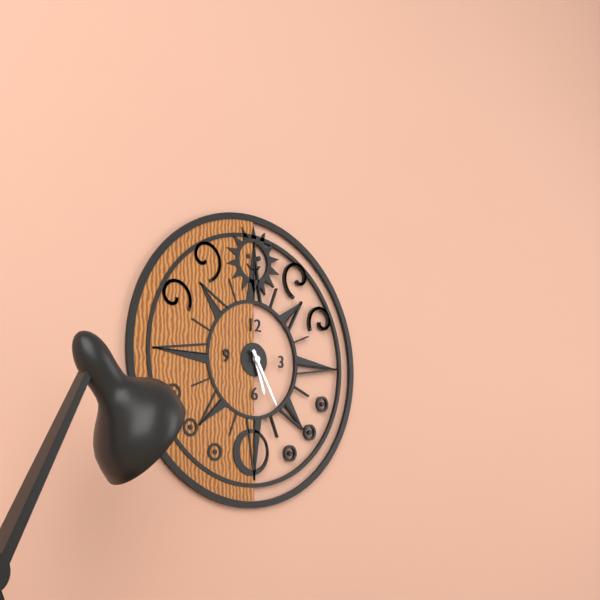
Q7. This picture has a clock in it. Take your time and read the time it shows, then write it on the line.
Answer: 5:25
